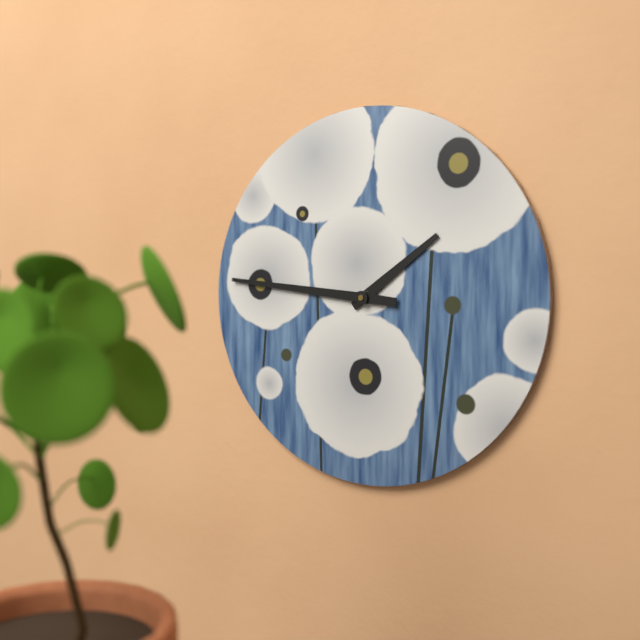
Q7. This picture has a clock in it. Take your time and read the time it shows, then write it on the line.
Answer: 1:46
